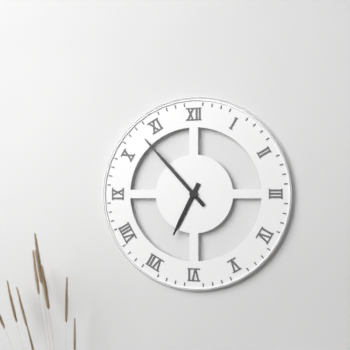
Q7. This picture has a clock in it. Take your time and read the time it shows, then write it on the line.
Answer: 6:53
